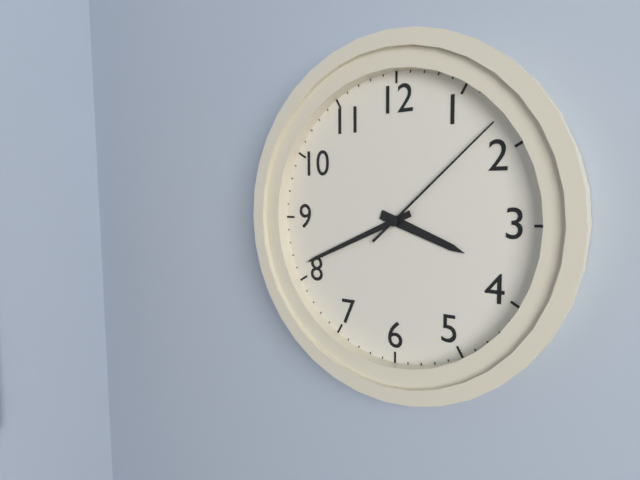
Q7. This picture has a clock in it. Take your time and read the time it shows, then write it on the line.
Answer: 3:41:08
